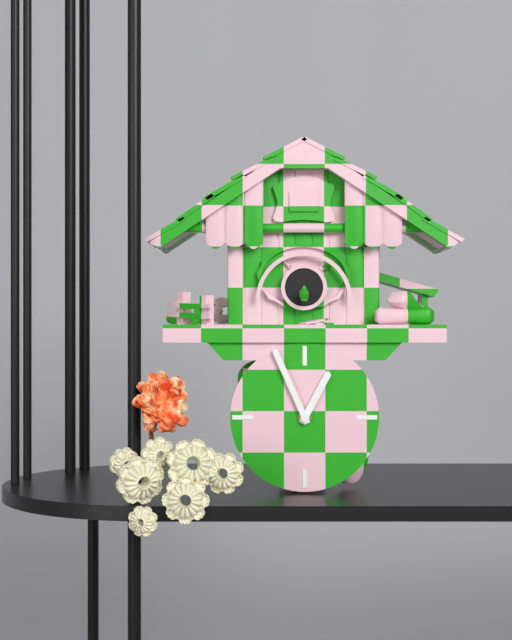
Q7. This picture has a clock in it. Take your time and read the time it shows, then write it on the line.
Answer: 12:56
